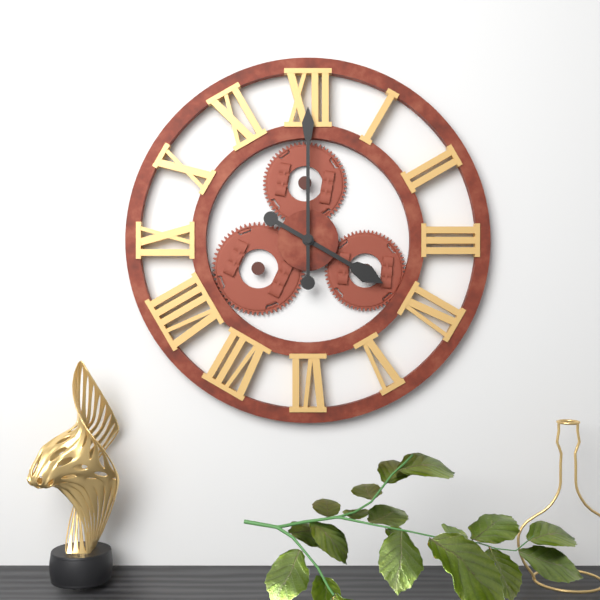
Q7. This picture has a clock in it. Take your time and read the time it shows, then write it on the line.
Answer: 4:00
